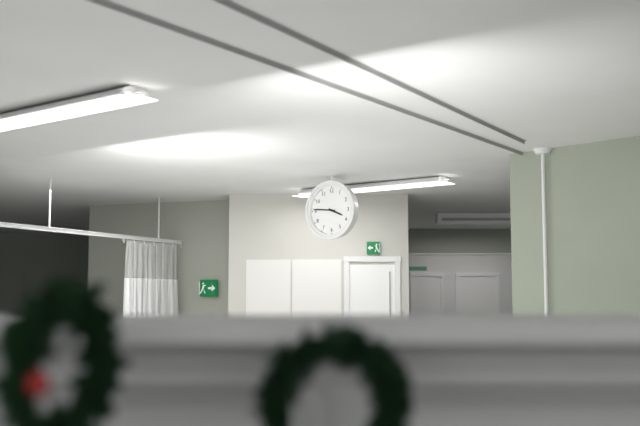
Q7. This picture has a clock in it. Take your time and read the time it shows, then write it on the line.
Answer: 3:46
